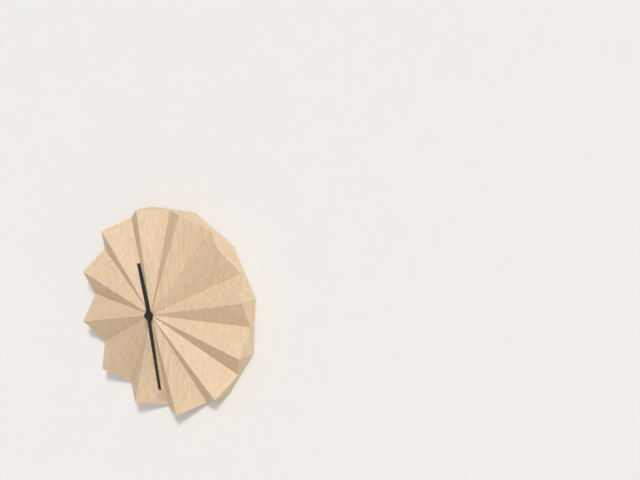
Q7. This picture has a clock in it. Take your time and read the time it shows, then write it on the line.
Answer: 11:28
